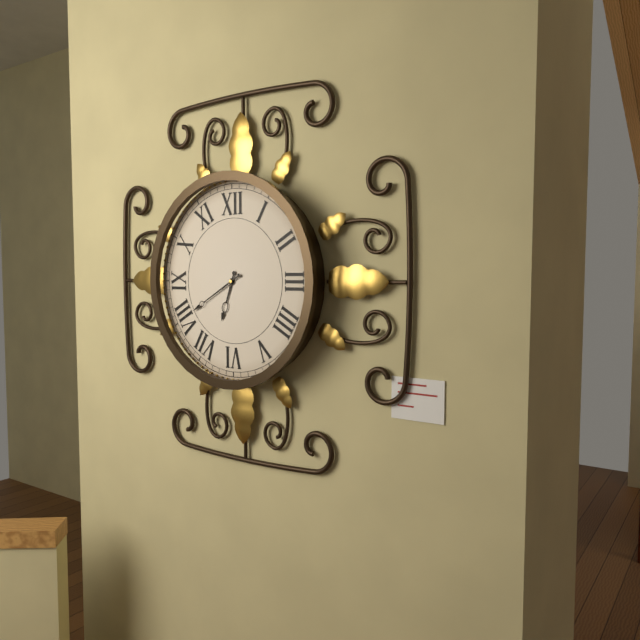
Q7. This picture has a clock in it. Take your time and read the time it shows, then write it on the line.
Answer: 6:40
